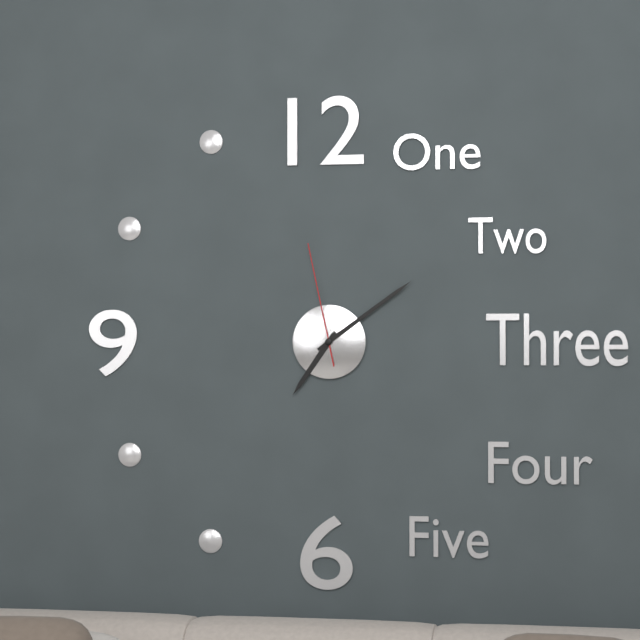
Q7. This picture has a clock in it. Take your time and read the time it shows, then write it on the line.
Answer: 7:09:58
